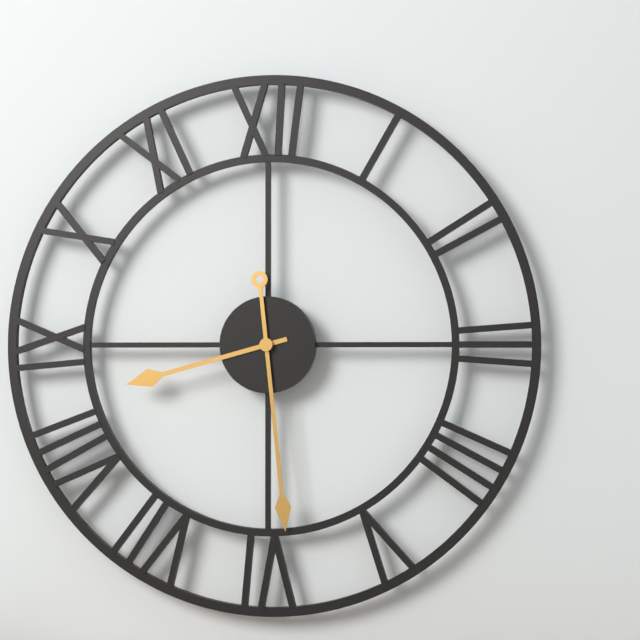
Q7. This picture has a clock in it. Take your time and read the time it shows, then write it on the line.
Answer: 8:29
